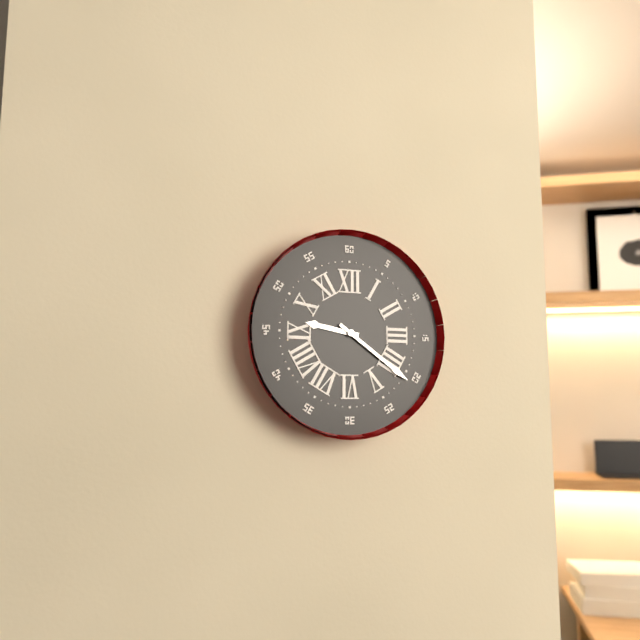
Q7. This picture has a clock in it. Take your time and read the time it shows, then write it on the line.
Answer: 9:21
